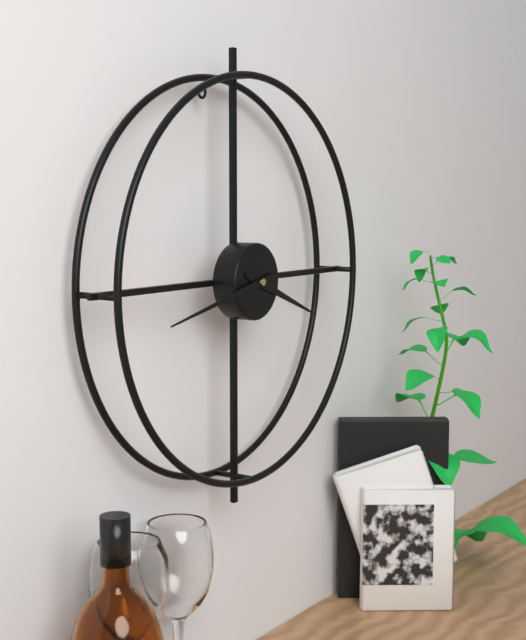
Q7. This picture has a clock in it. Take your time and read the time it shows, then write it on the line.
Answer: 3:43
